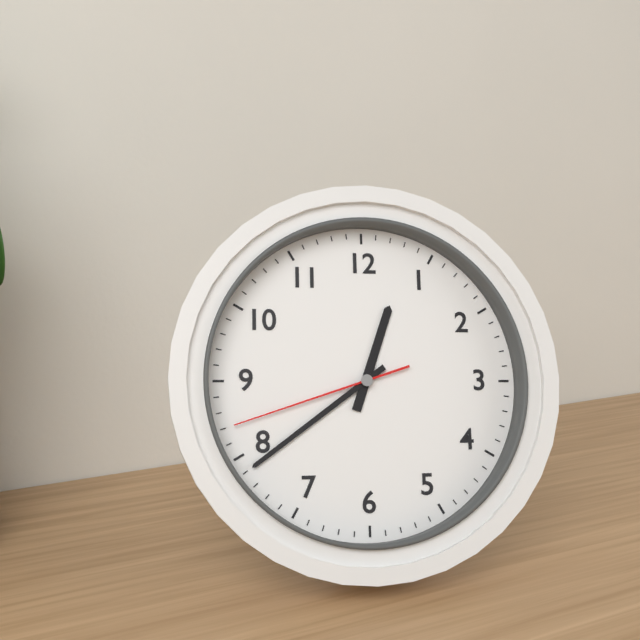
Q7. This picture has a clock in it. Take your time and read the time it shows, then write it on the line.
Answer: 12:39:42
